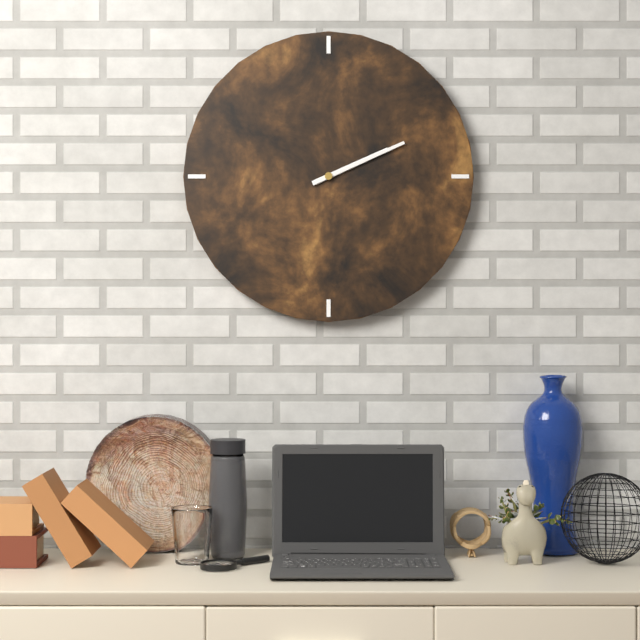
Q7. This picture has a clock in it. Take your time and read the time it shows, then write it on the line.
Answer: 2:11
